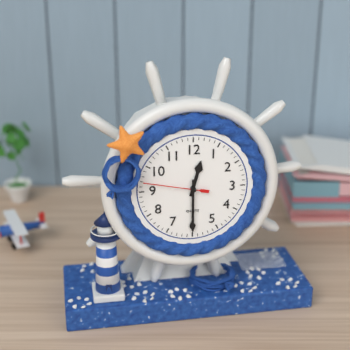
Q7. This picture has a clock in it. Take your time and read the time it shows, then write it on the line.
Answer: 12:30:47
